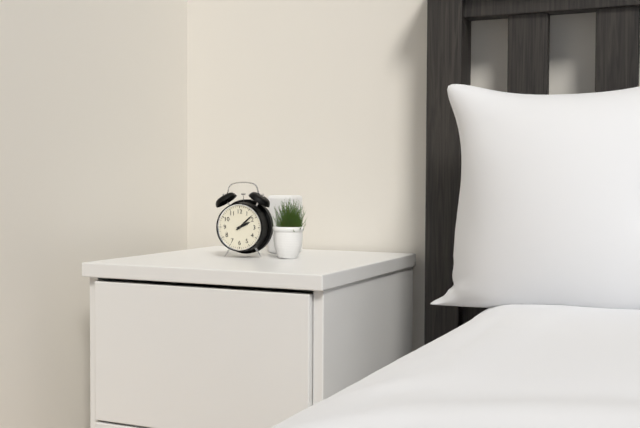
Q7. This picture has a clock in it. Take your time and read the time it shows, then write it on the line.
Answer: 2:08
